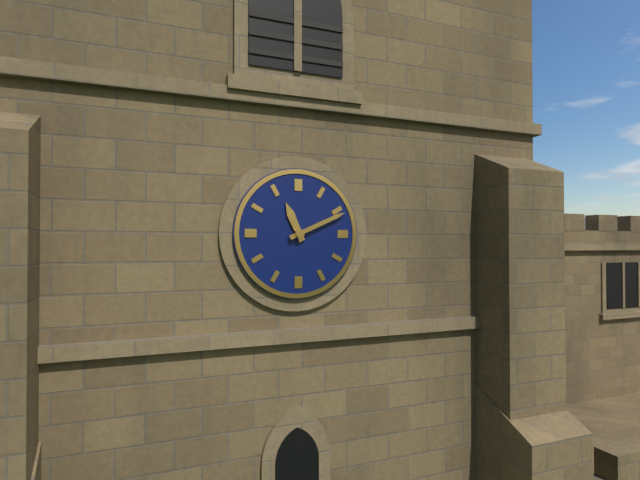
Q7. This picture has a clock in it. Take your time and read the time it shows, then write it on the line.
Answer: 11:11
